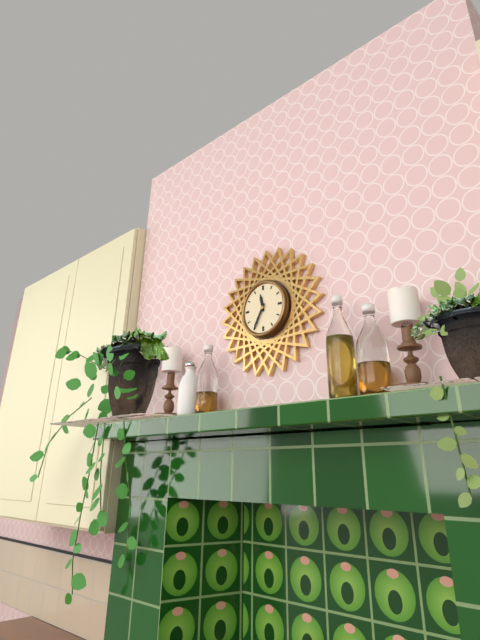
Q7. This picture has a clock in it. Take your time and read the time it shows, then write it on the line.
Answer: 11:35
